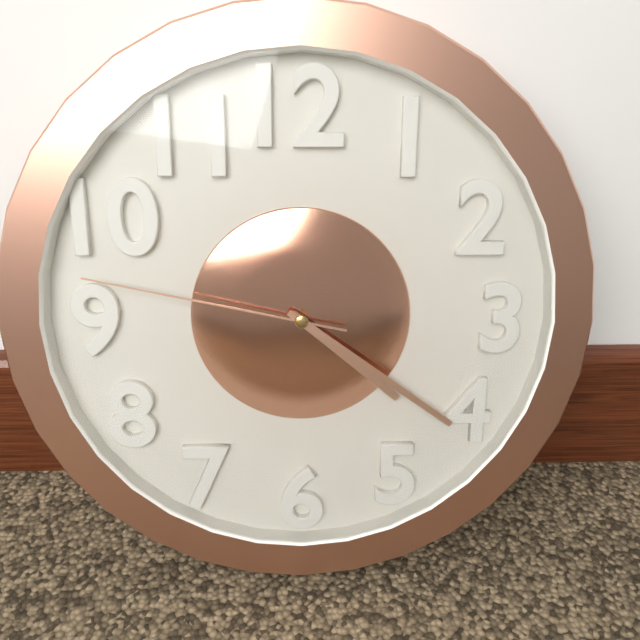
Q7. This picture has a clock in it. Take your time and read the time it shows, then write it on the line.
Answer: 4:21:47
